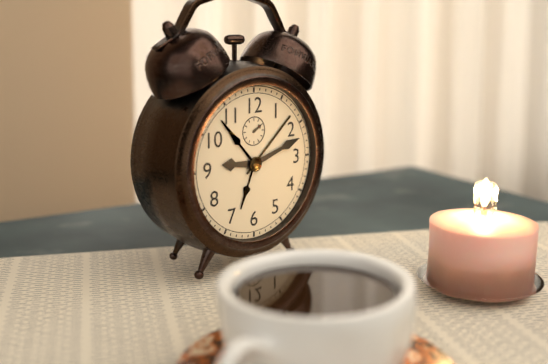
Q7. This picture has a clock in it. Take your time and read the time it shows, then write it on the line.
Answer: 9:12
